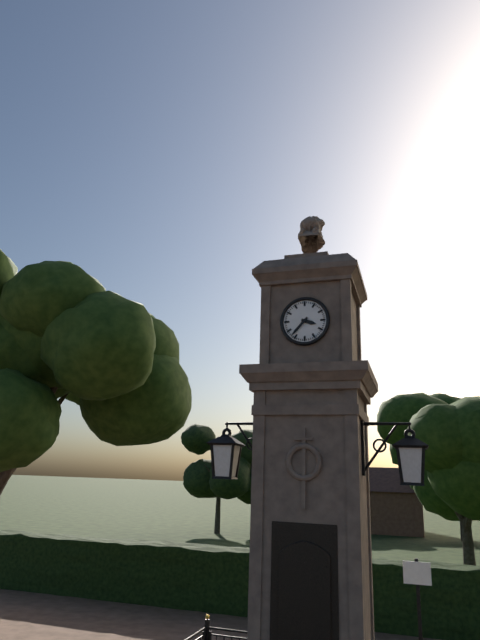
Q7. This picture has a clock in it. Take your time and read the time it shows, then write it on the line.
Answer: 3:37
